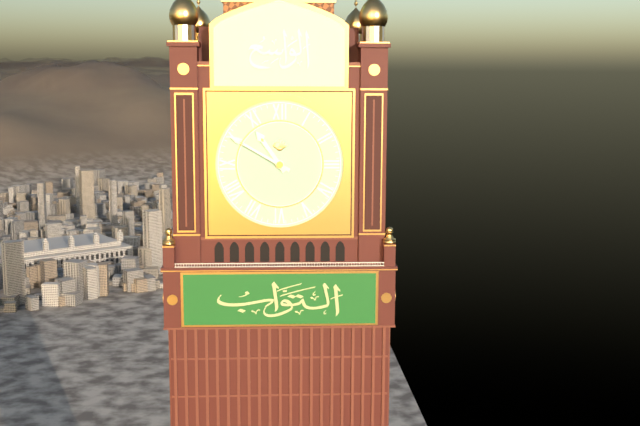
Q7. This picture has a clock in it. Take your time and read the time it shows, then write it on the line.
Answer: 10:50
